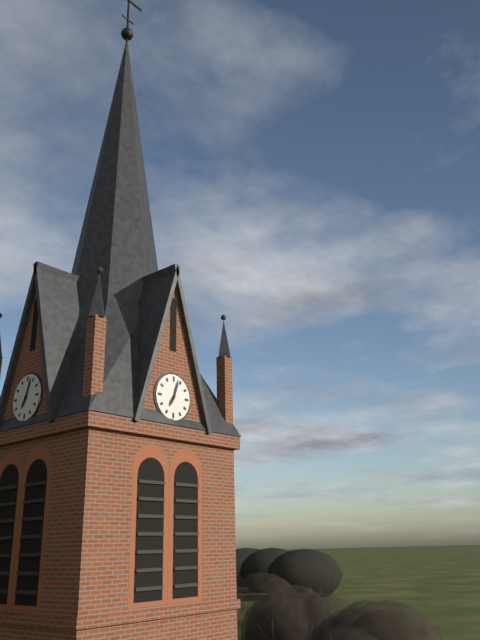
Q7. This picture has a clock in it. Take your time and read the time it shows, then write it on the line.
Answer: 7:03
